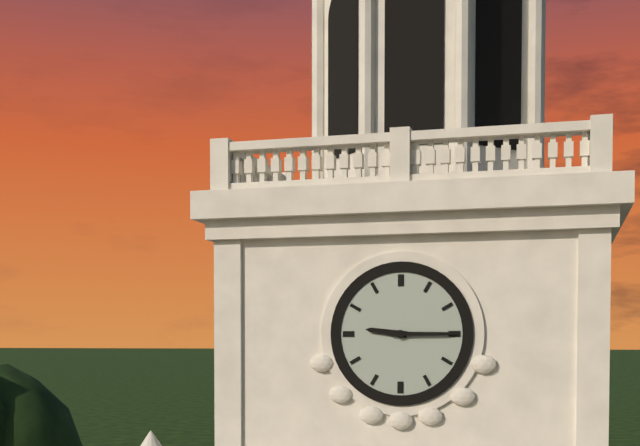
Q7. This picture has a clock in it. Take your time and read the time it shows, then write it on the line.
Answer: 9:15
